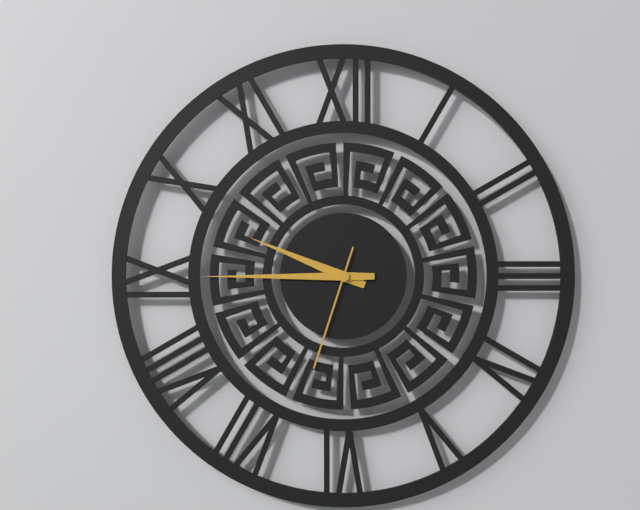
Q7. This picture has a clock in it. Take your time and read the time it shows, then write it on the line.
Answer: 9:45:33
